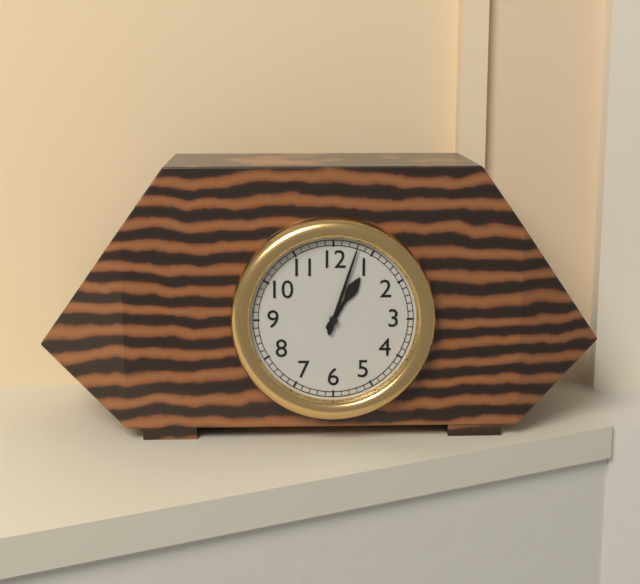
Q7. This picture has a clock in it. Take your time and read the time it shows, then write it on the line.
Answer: 1:03
